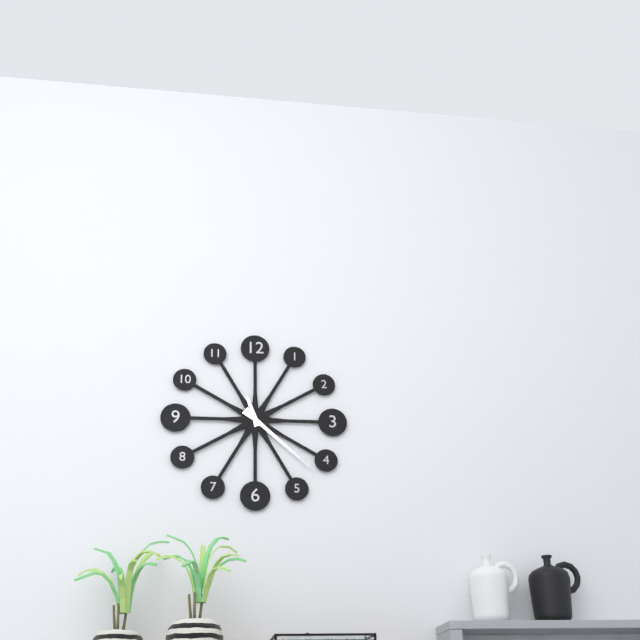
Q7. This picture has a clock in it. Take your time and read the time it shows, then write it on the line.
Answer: 11:22
